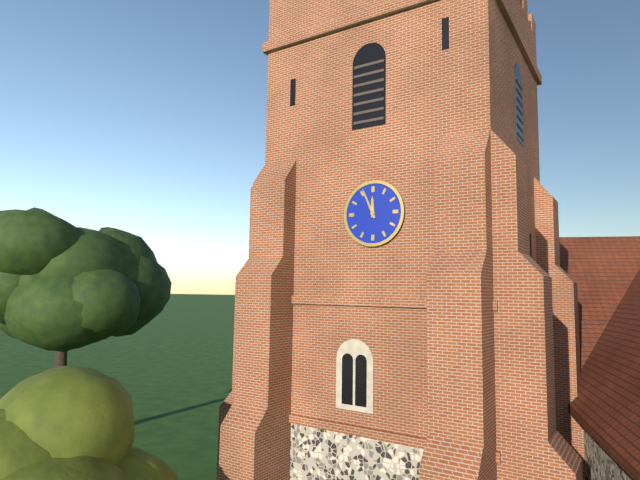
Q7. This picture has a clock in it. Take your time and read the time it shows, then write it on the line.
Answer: 11:56
